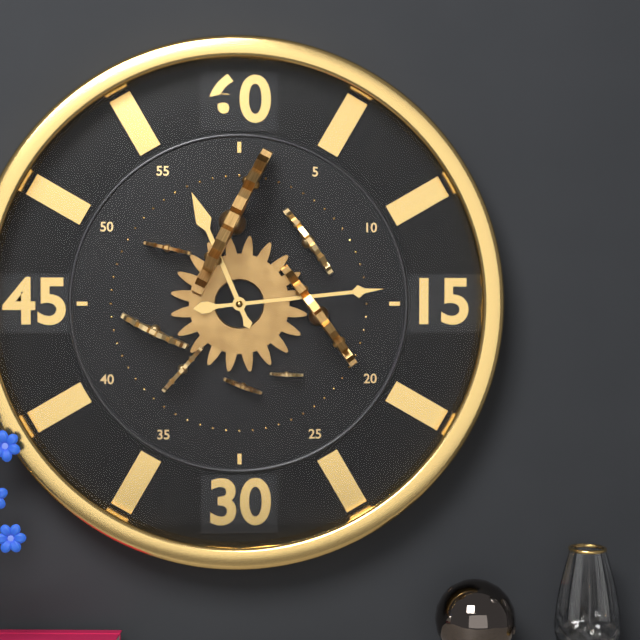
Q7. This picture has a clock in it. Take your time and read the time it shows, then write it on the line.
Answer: 11:14
